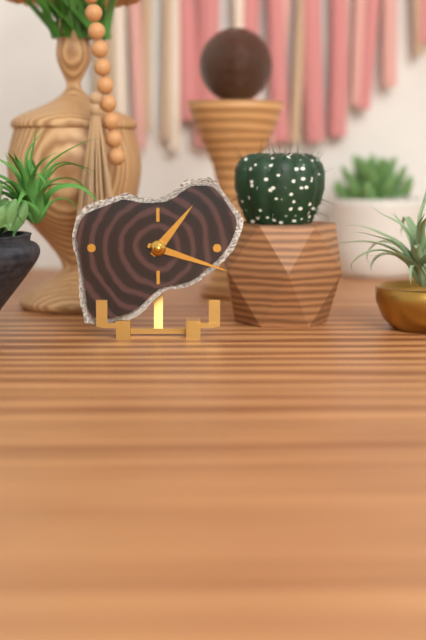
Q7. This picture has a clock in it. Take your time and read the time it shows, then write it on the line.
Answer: 1:18
